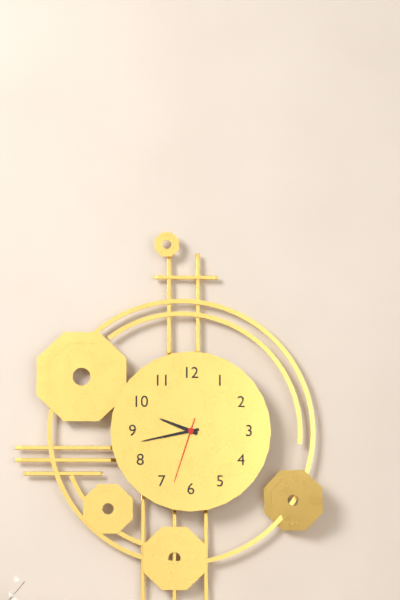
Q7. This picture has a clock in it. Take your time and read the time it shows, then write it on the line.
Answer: 9:43:33
